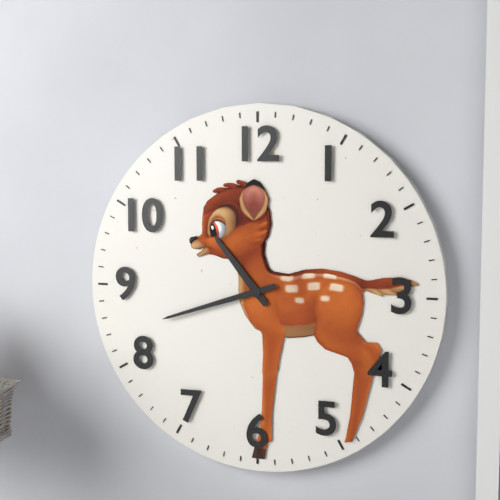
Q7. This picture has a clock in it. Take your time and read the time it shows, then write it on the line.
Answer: 10:42
